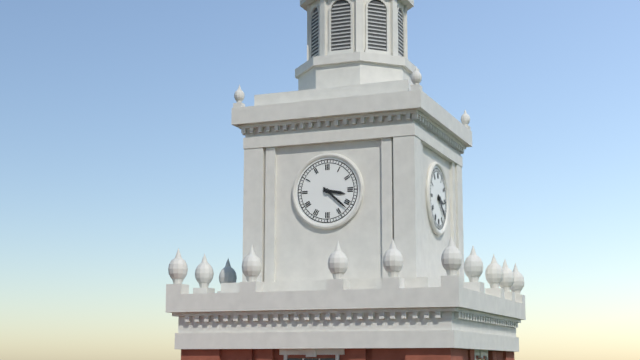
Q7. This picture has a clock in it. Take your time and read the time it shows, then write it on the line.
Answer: 3:22
